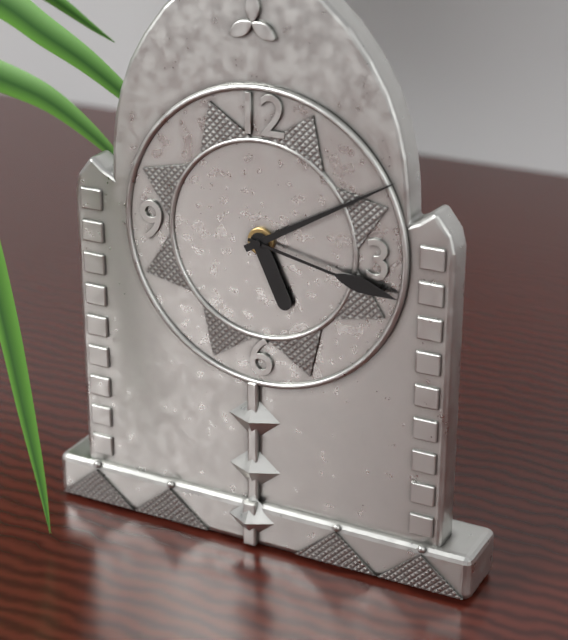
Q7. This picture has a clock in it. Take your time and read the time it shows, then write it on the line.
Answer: 5:10:17
